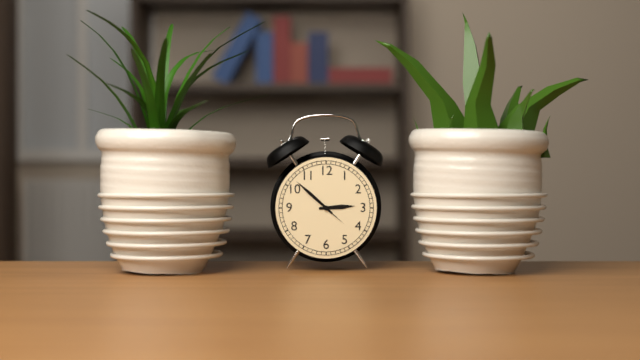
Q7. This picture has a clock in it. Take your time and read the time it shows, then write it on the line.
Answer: 2:52
